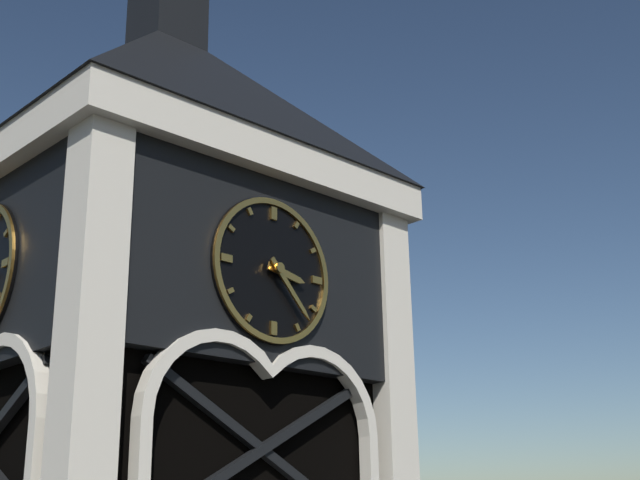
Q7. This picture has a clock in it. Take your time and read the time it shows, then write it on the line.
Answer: 3:23
